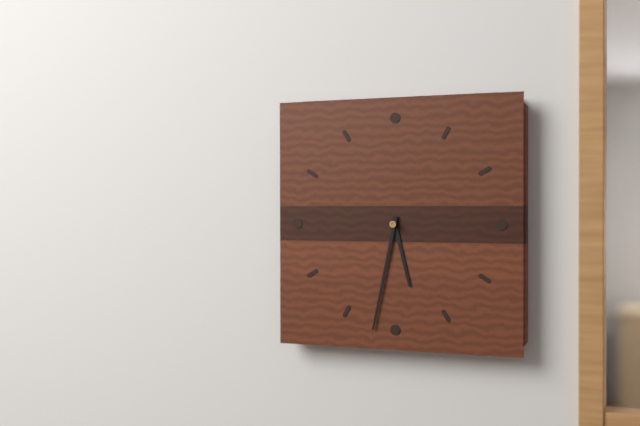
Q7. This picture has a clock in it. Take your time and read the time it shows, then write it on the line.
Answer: 5:32
